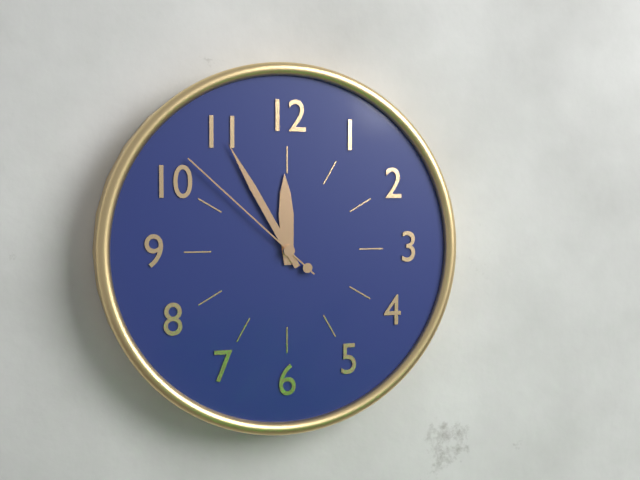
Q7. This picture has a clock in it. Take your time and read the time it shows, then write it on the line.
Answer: 11:55:52
